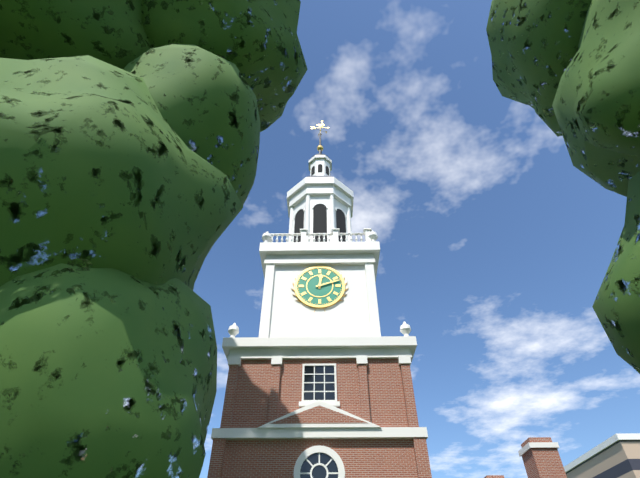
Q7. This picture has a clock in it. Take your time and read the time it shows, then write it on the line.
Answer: 12:12
